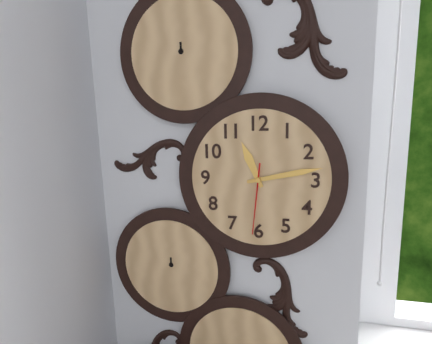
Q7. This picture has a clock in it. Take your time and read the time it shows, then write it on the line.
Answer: 11:13:31
